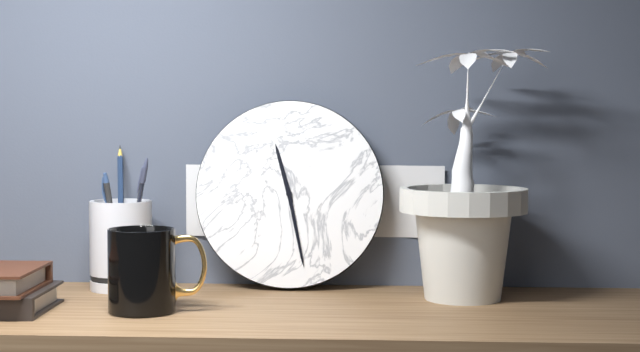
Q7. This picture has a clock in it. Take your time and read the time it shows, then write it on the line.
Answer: 11:28
